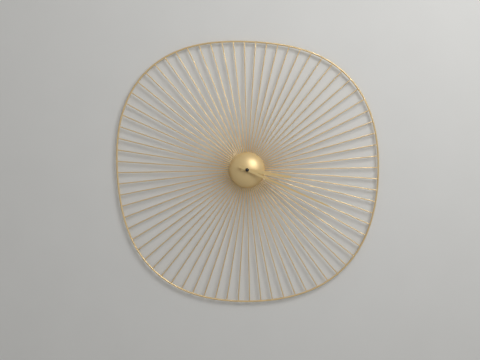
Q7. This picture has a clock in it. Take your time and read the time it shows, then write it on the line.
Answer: 3:19
